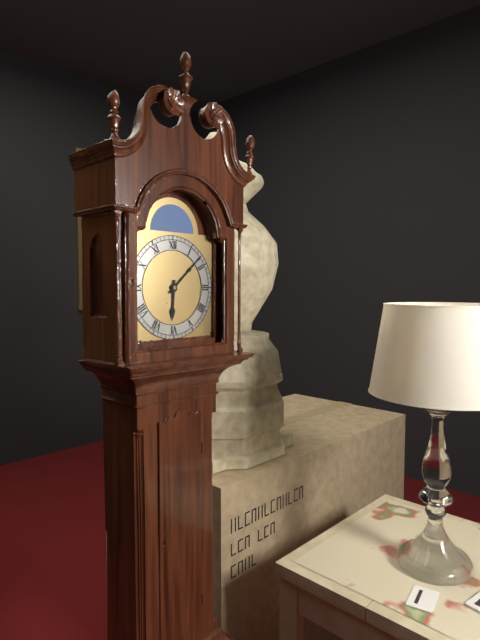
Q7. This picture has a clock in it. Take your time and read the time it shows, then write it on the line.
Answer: 6:08
